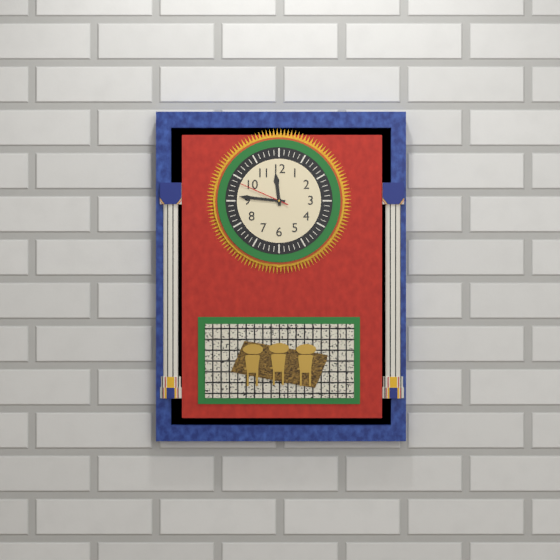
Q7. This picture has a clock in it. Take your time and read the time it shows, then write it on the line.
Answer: 11:46:49
